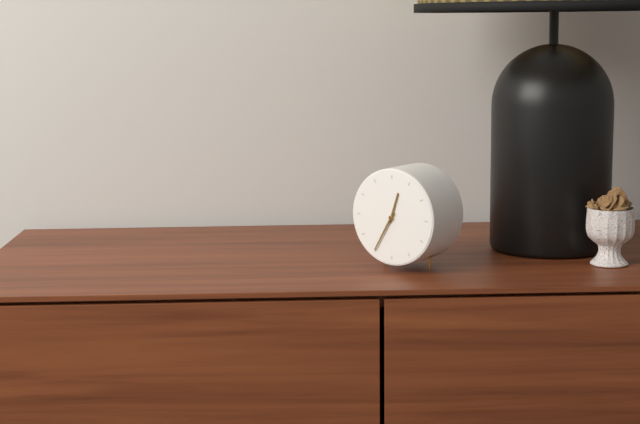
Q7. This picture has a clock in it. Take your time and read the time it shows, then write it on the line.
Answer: 12:35
